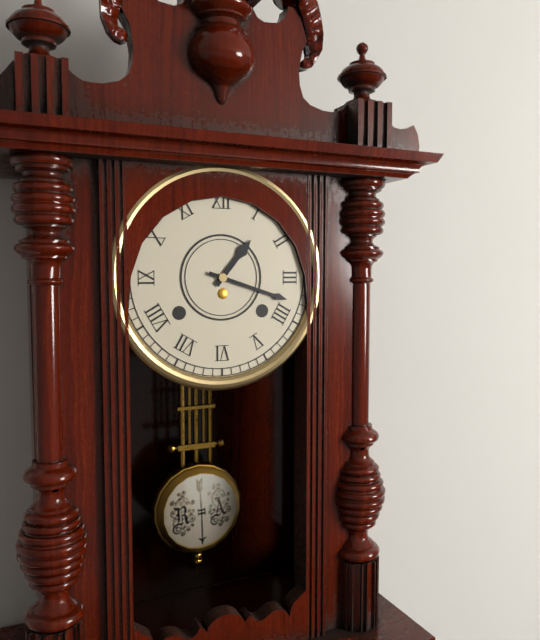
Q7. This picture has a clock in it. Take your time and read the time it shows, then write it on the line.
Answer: 1:18
